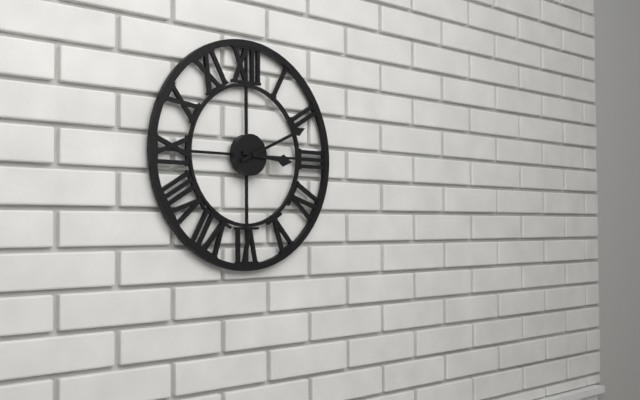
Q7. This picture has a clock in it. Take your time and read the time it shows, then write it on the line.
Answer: 3:11
